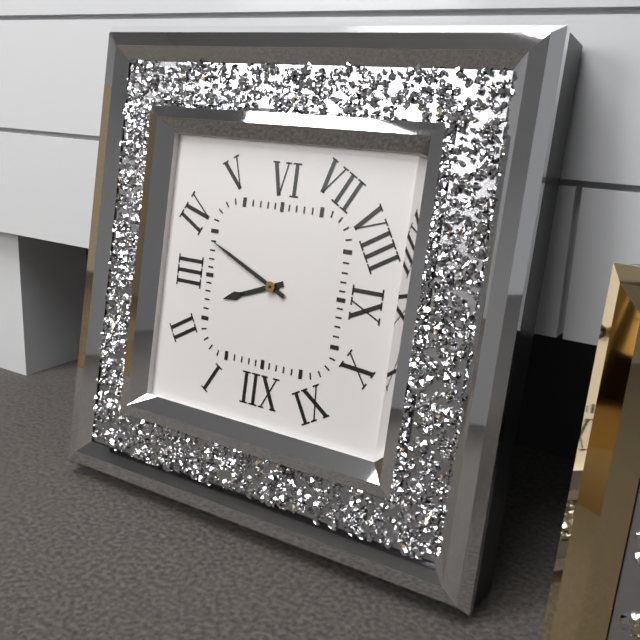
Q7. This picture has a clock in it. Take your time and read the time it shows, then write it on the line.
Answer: 2:19
